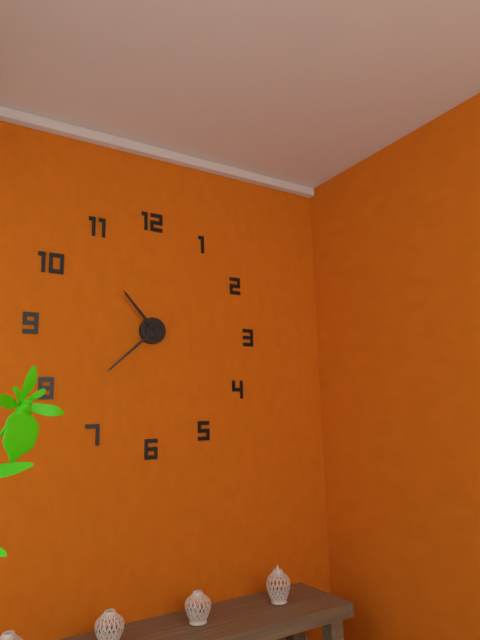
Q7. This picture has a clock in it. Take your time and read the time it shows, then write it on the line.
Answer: 10:38
